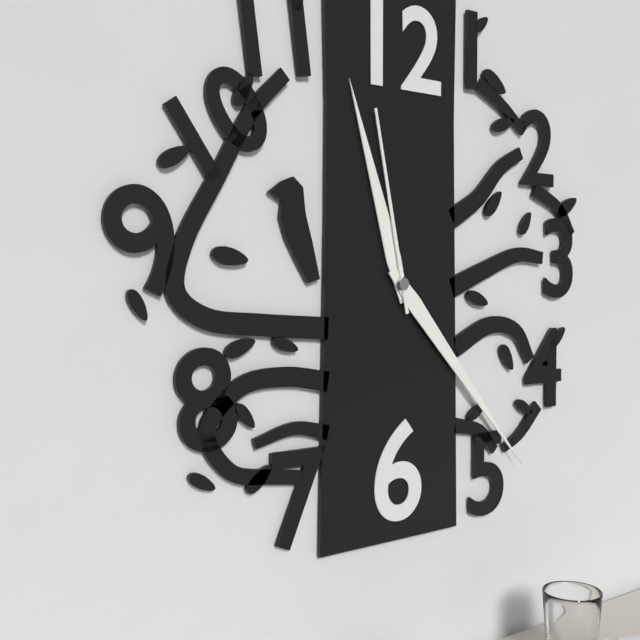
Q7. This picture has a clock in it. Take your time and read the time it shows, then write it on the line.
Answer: 11:23:58
